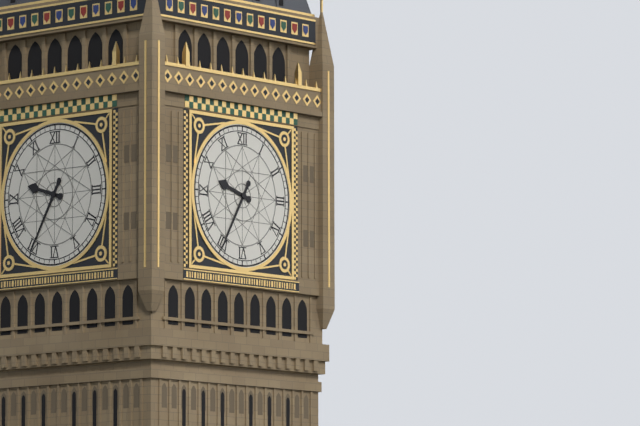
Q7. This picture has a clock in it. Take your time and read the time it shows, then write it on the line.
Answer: 9:35
